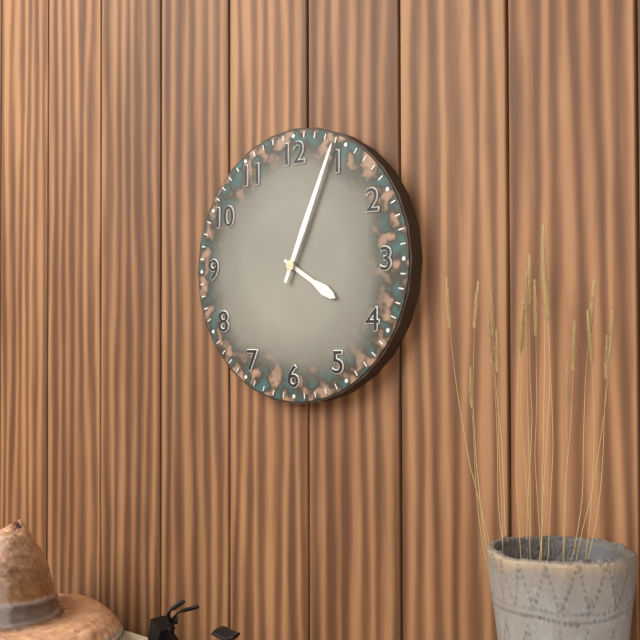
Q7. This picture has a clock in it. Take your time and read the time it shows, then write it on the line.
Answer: 4:04
